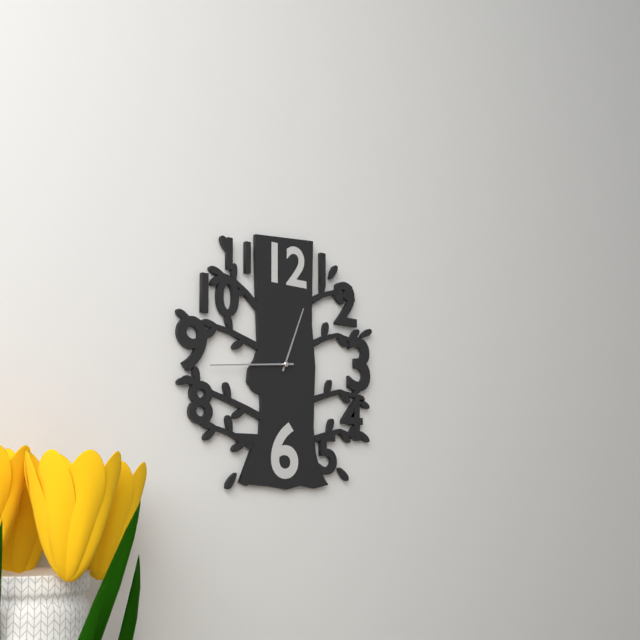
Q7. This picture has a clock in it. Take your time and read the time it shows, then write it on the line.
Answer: 12:44
